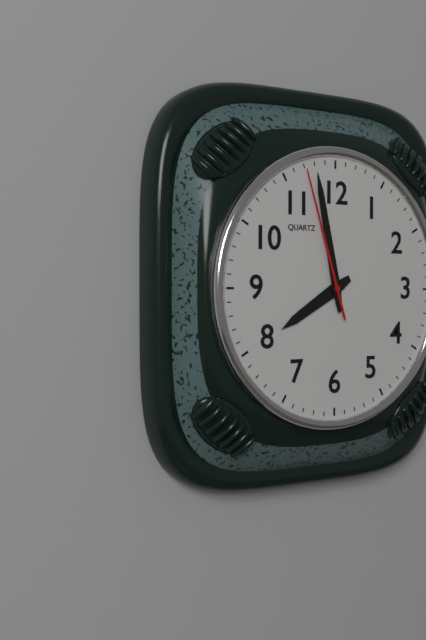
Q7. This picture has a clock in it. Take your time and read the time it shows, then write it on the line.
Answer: 7:58:57
